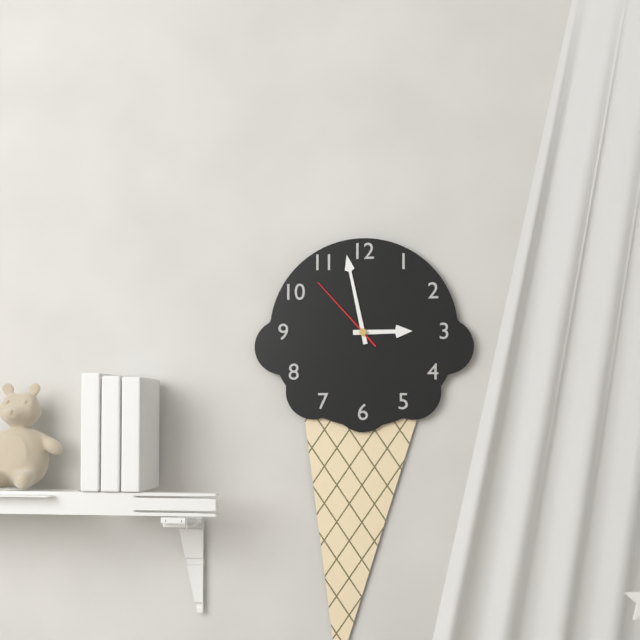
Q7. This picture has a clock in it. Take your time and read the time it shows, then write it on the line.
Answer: 2:58:53
